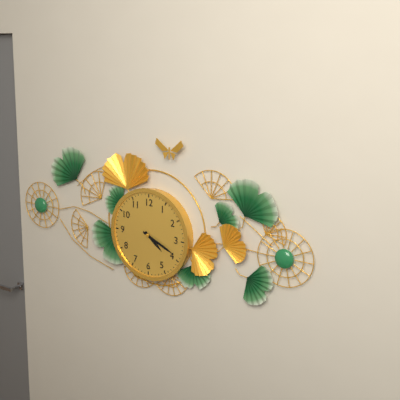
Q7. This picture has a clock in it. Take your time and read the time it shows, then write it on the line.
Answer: 4:19
